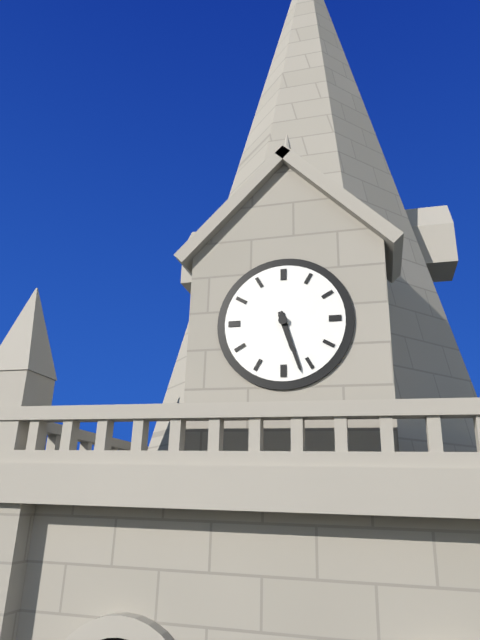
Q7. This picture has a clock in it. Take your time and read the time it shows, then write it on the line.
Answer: 5:27
